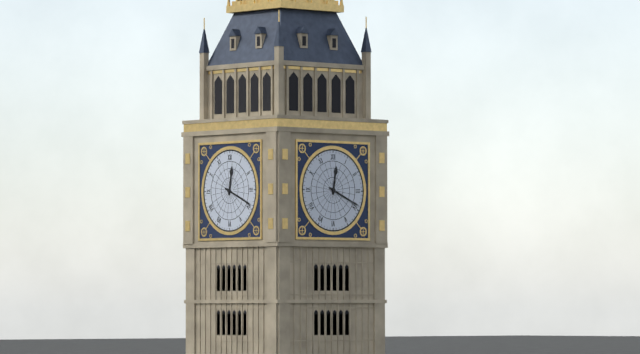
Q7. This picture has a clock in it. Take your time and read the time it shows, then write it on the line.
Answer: 12:19
